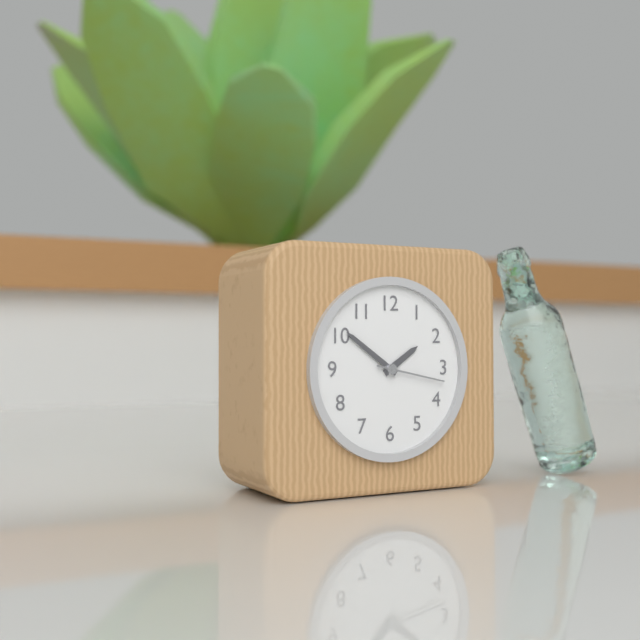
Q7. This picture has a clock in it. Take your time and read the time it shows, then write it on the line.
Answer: 1:51:17
